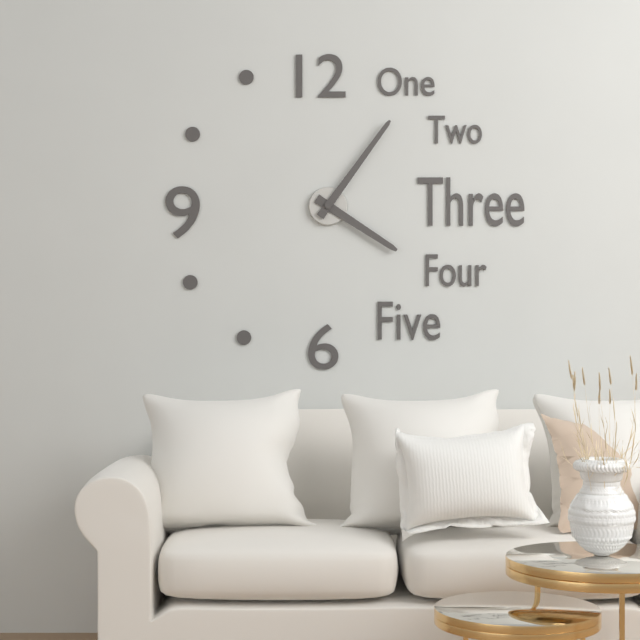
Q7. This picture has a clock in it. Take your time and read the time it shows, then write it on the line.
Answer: 4:06
